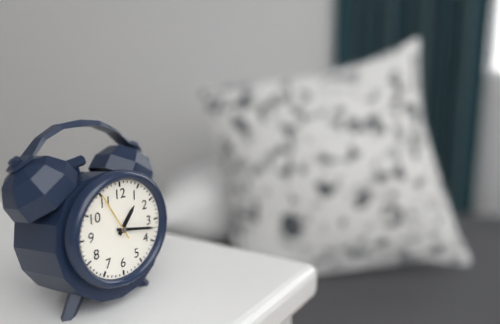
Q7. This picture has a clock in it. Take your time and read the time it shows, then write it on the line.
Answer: 1:17:55
